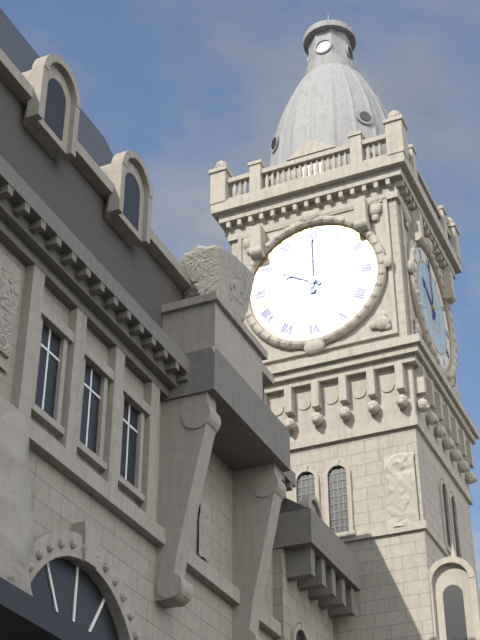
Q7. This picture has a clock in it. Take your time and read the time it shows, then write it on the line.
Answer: 10:00
